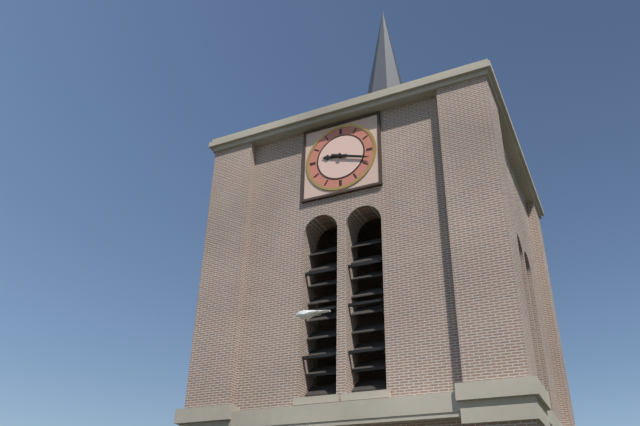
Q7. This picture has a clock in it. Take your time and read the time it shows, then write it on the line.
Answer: 9:18
